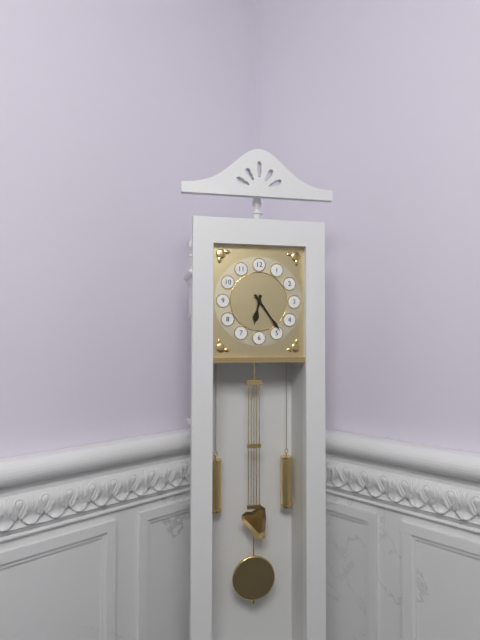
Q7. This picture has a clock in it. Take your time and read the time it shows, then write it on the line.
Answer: 6:24
